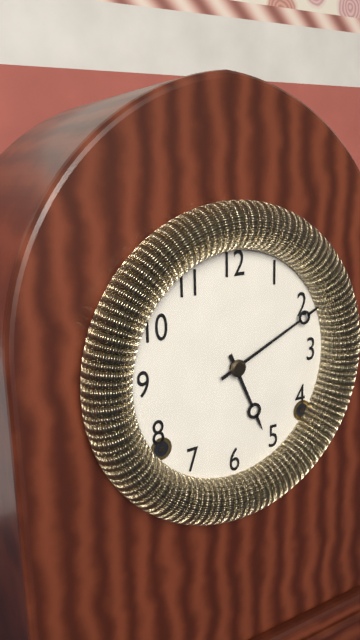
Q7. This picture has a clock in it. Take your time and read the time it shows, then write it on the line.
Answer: 5:11
